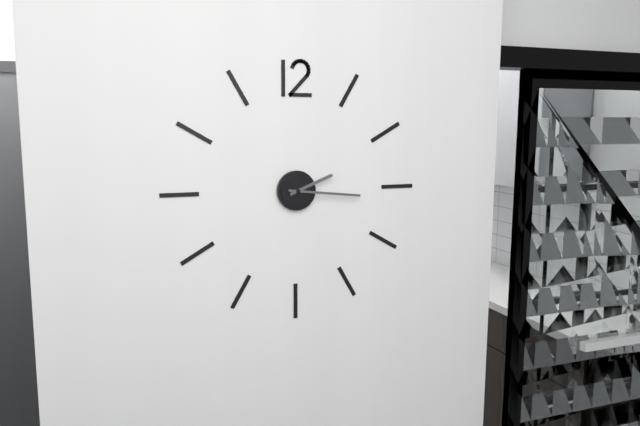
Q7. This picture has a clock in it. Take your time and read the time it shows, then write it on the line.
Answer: 2:16
